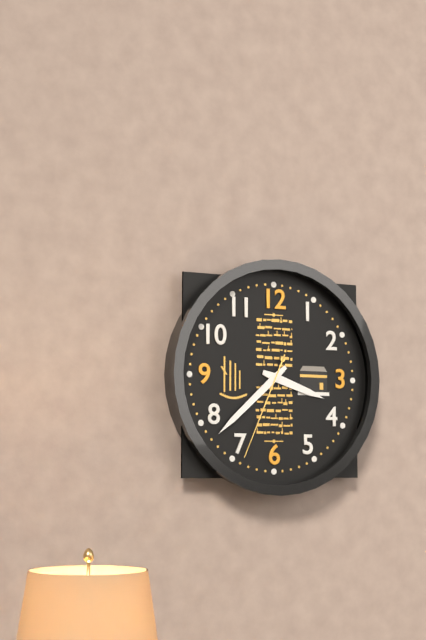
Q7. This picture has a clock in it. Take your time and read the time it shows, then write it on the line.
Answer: 3:38:34
